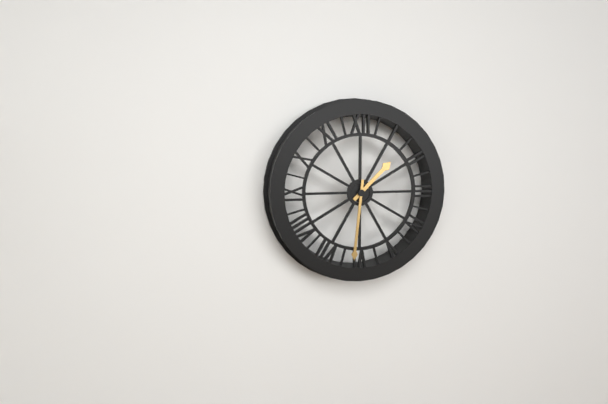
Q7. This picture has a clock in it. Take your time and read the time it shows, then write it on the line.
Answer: 1:31
